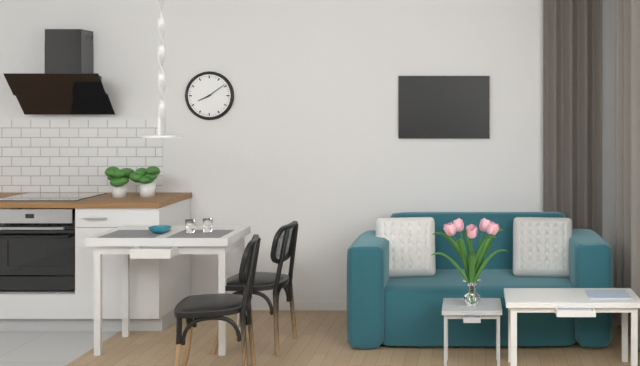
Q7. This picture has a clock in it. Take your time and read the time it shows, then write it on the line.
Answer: 8:09
